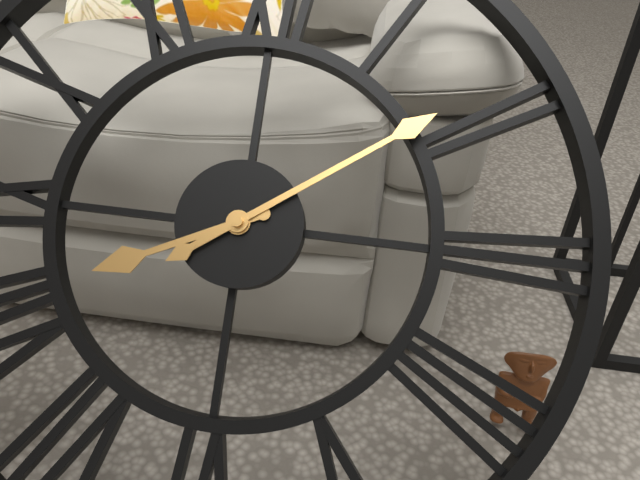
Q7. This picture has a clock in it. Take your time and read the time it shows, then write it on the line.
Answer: 8:09
